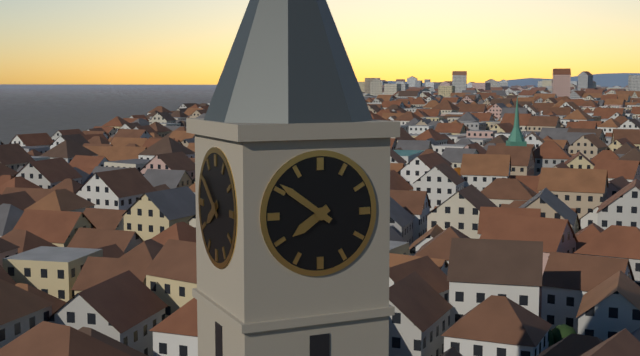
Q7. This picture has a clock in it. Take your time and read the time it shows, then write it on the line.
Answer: 7:51
